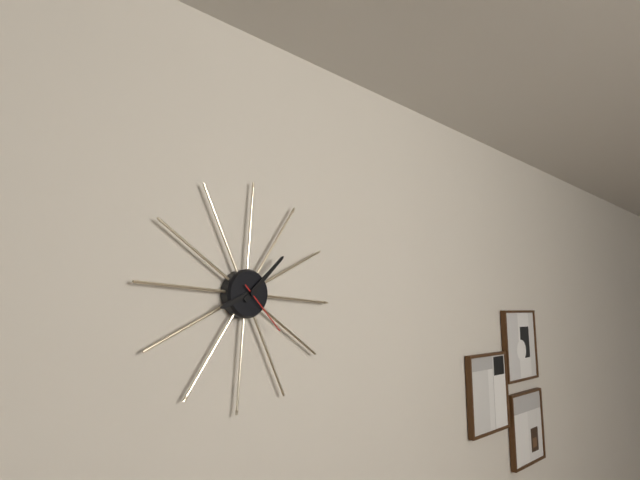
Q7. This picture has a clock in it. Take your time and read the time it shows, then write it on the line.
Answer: 8:07:22
